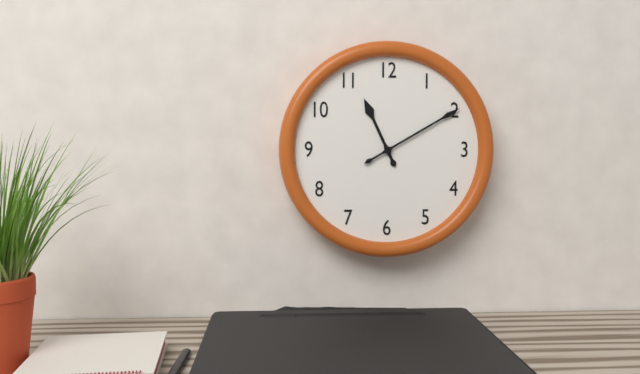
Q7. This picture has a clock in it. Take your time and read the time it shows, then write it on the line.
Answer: 11:10
